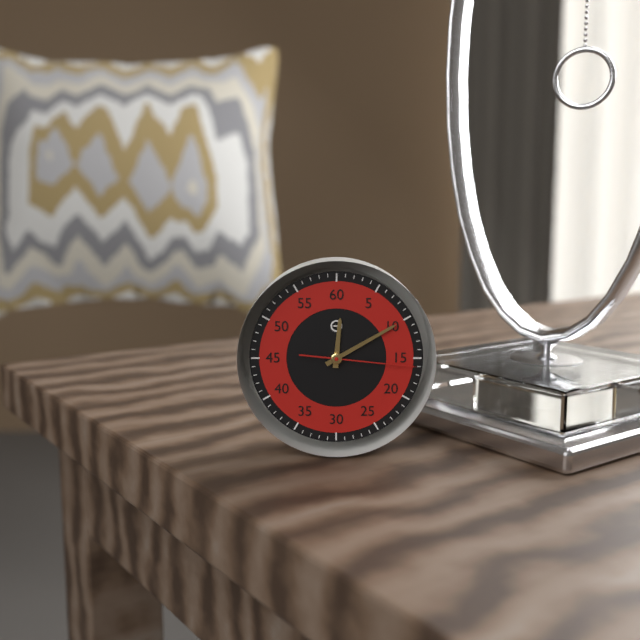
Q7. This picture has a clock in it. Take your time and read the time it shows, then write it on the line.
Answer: 12:10:16
